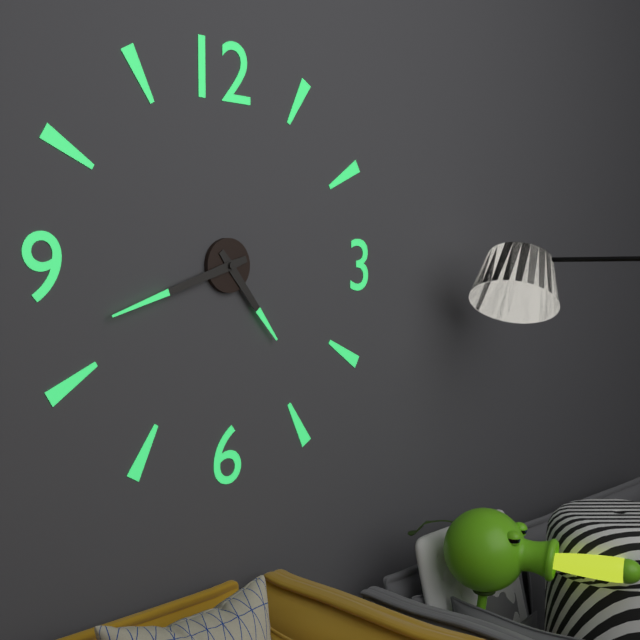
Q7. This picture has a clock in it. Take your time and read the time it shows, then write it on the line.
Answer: 4:42
